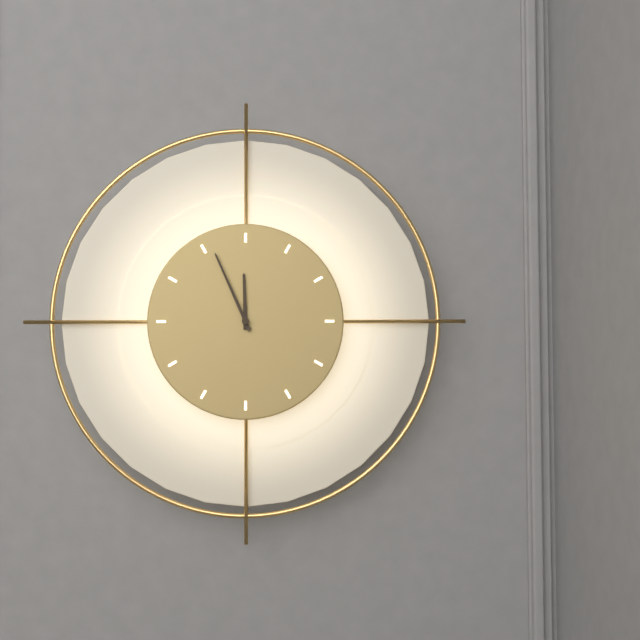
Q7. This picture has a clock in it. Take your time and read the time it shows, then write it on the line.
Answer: 11:56
